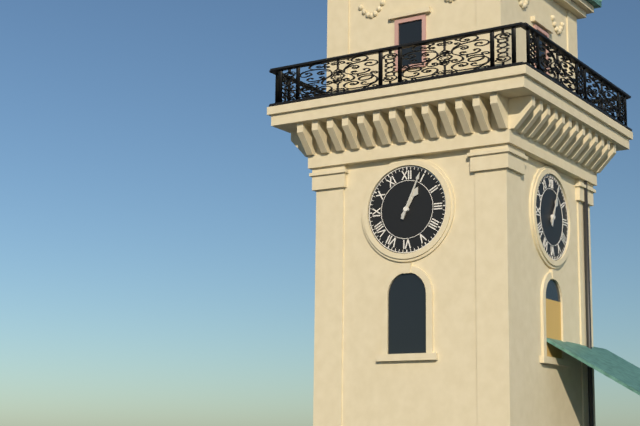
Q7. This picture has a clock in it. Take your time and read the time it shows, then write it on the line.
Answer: 1:04
